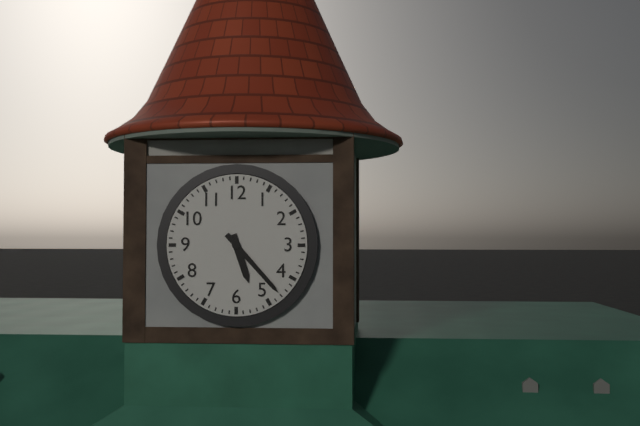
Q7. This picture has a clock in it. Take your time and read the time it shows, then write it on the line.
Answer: 5:23
